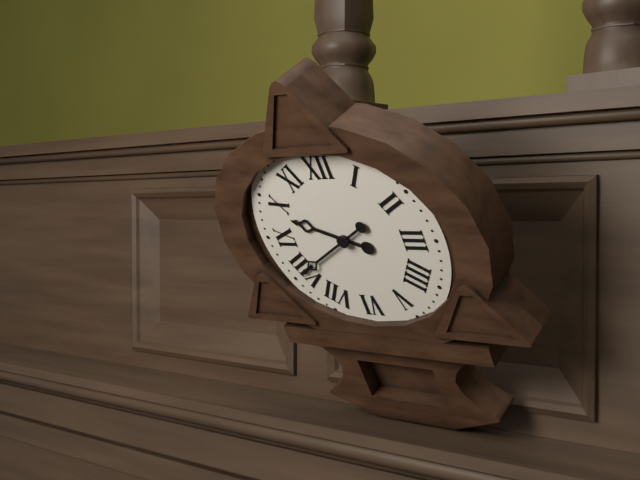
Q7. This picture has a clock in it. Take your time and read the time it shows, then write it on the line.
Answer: 9:40
